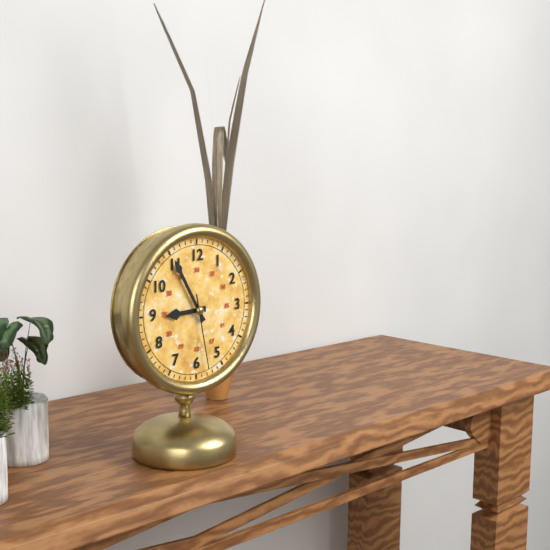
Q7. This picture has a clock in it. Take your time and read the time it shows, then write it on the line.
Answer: 8:55:28
